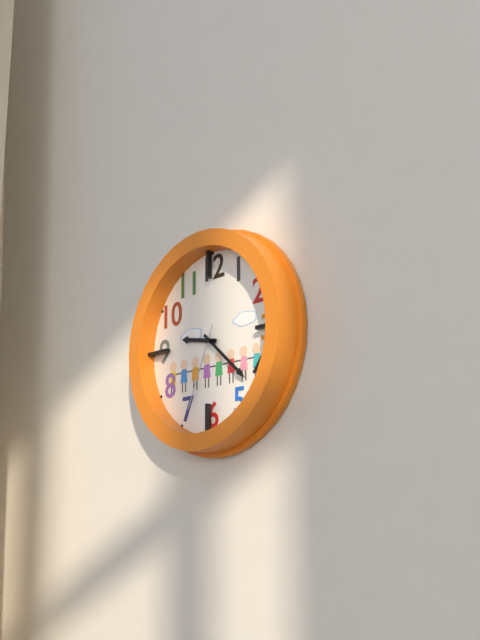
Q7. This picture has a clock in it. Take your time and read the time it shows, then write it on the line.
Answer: 9:22:34
